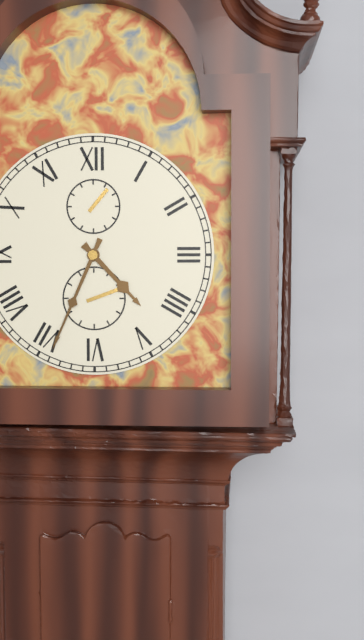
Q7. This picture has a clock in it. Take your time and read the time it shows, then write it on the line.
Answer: 4:34
